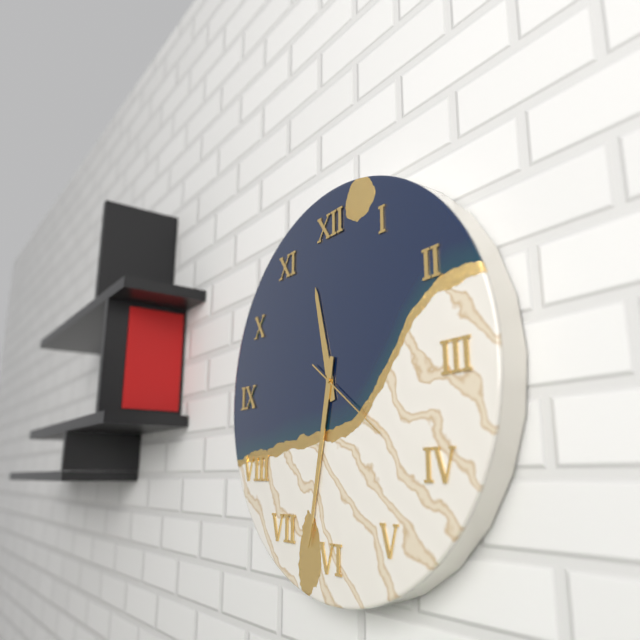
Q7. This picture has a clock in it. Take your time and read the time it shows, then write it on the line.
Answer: 11:32:21
